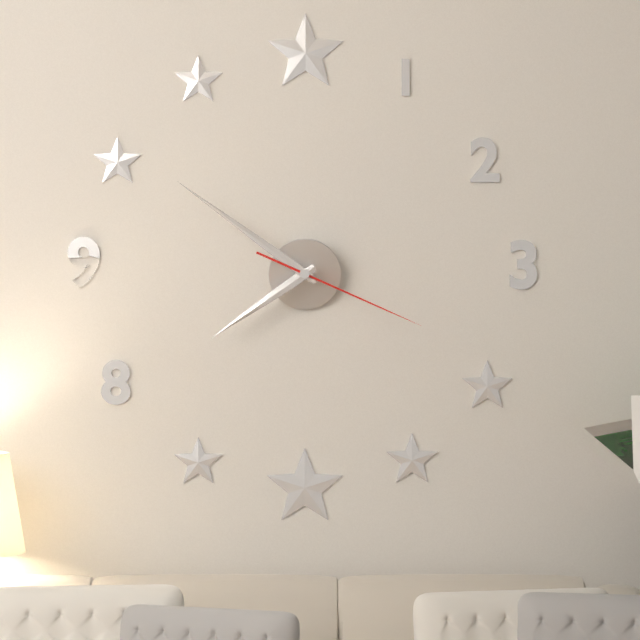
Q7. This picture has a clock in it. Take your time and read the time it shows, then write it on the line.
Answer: 7:51:19
